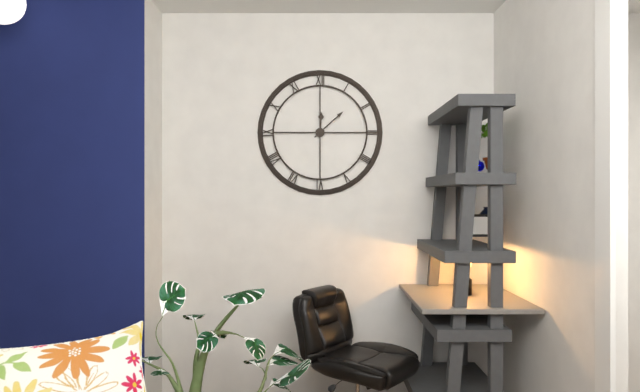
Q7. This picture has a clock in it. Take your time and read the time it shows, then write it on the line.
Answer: 12:08
